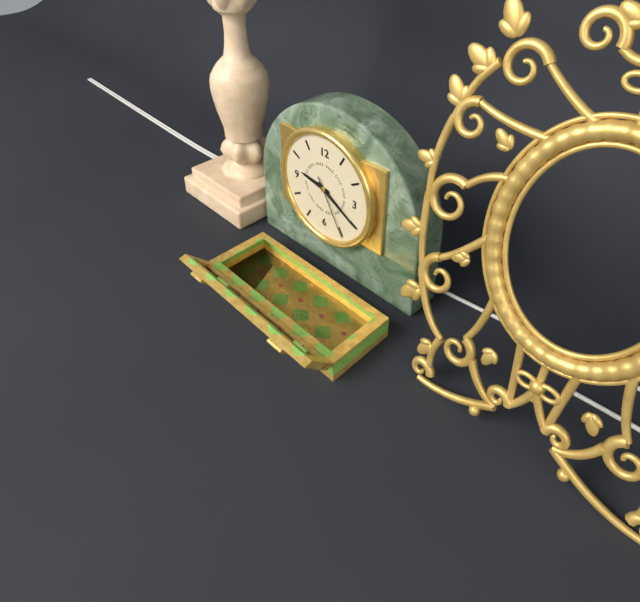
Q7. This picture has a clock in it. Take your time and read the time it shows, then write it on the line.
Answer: 9:20:25
